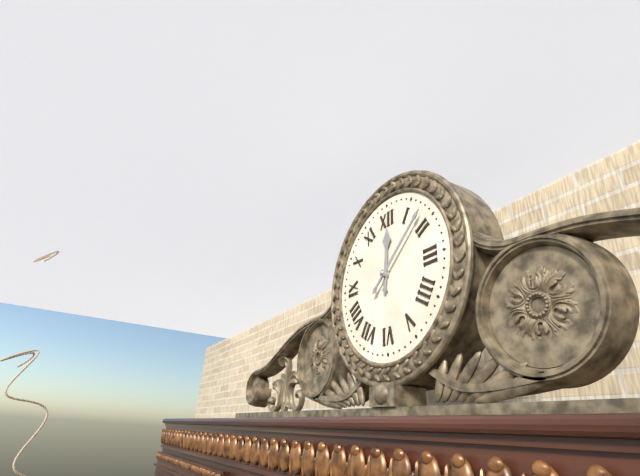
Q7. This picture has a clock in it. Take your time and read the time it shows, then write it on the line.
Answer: 12:08
